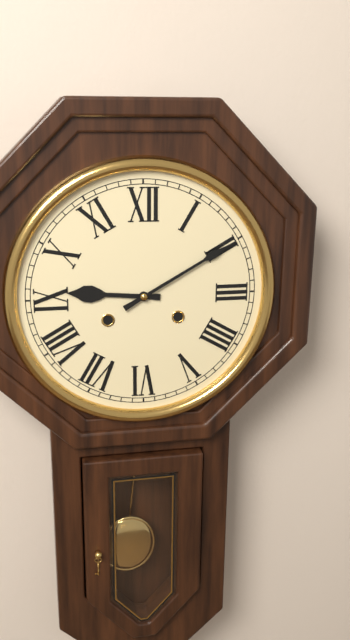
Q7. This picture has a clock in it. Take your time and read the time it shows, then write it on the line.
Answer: 9:10
